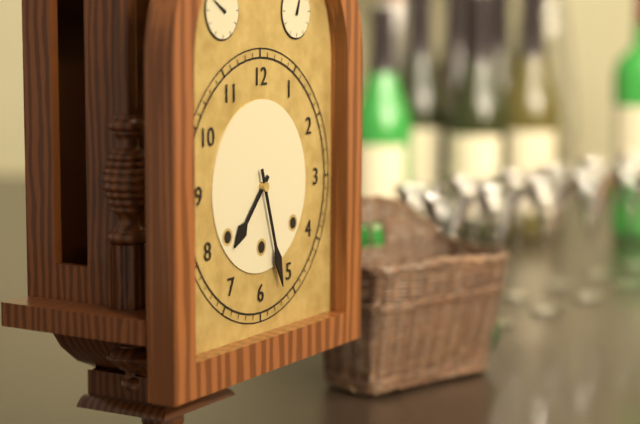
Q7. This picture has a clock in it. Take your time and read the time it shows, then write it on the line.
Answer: 7:27
